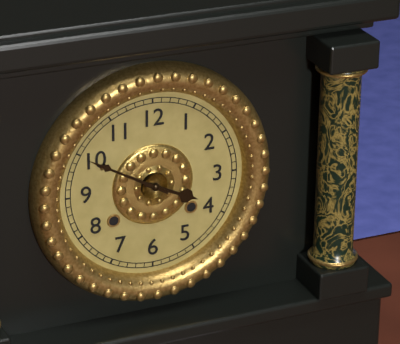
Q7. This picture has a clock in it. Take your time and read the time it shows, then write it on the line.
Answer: 3:50
